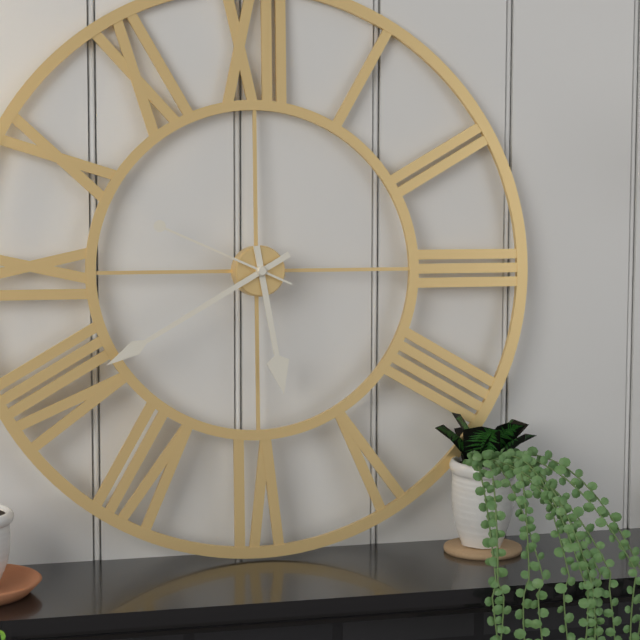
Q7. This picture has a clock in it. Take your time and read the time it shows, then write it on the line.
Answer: 5:40:49
